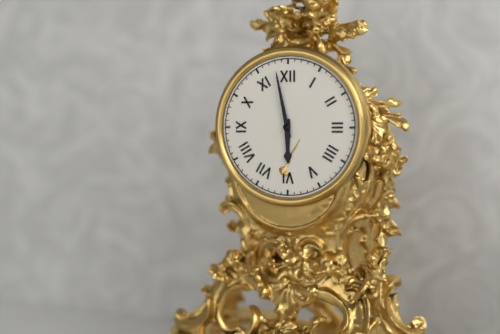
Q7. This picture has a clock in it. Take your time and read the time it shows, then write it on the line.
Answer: 5:58
